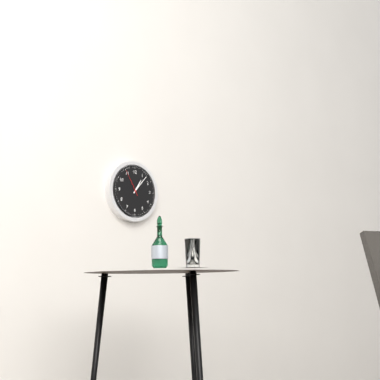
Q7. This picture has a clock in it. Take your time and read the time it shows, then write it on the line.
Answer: 1:07
